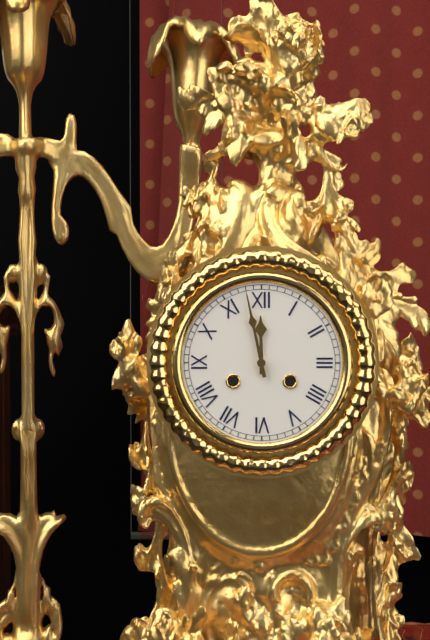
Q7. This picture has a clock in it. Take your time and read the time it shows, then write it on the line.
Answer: 11:58
